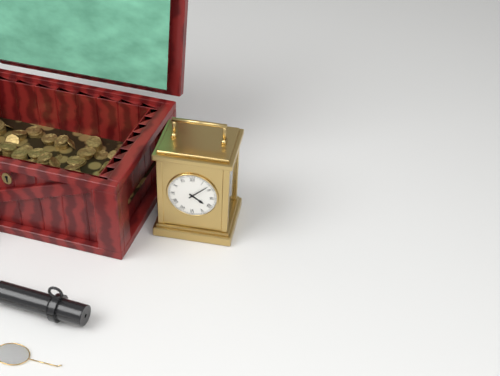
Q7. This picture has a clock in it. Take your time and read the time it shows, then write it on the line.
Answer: 4:08
